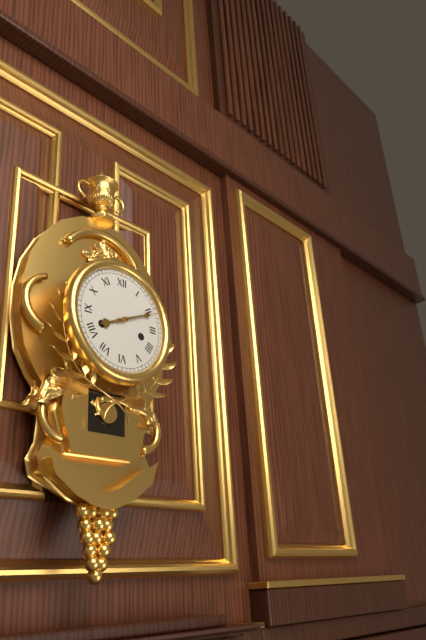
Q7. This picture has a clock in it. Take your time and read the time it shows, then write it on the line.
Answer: 8:11
